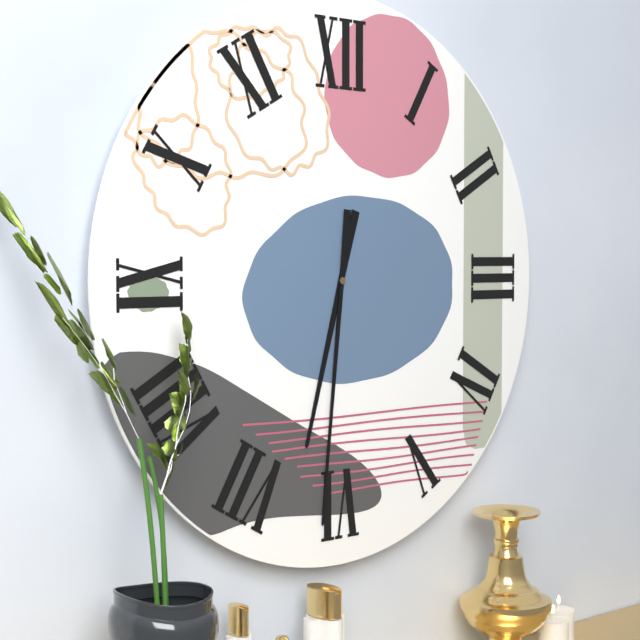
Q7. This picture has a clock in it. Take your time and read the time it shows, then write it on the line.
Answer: 6:31
